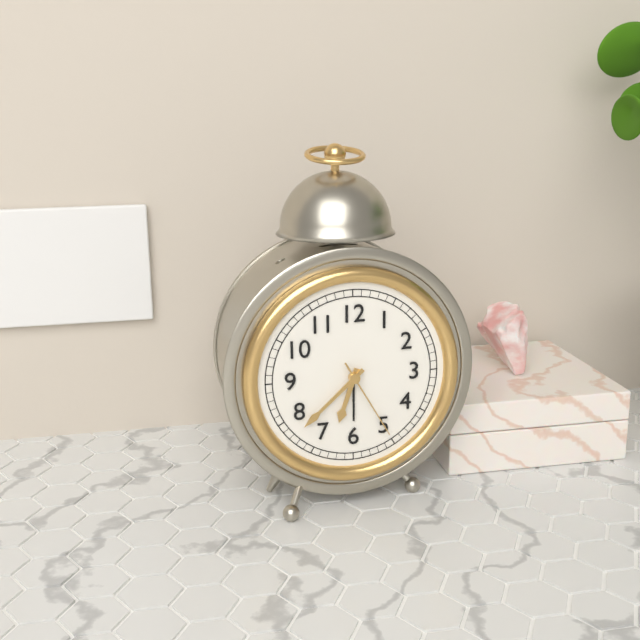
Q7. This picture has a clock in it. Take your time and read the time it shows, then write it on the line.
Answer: 6:38:25
